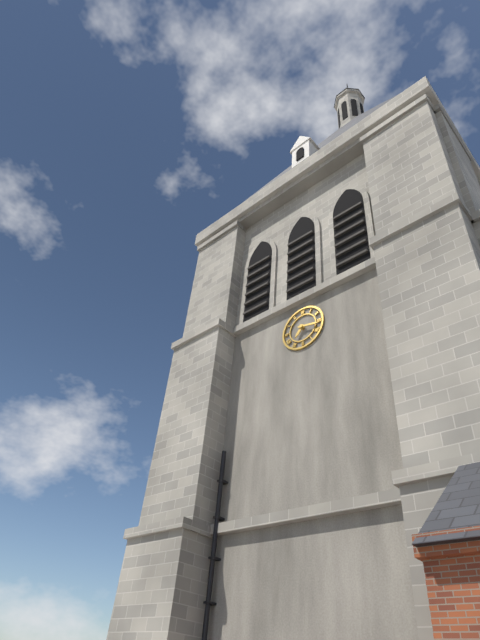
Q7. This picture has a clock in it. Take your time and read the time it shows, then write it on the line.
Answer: 7:17
